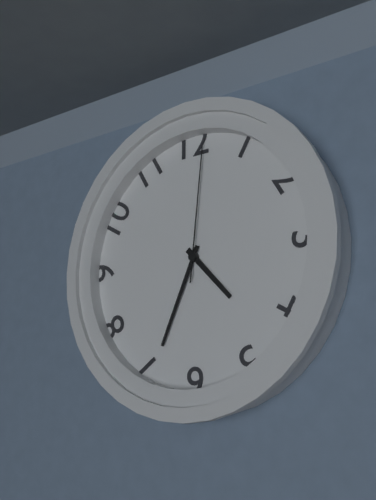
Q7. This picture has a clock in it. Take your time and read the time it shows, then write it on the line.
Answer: 4:34:01
